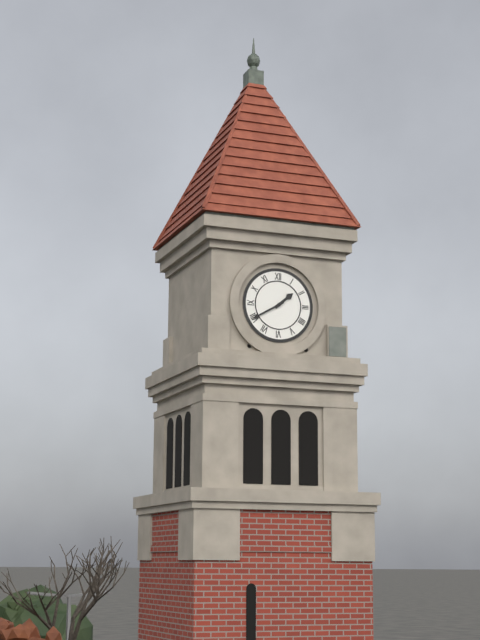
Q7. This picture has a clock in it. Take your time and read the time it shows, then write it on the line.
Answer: 1:40
